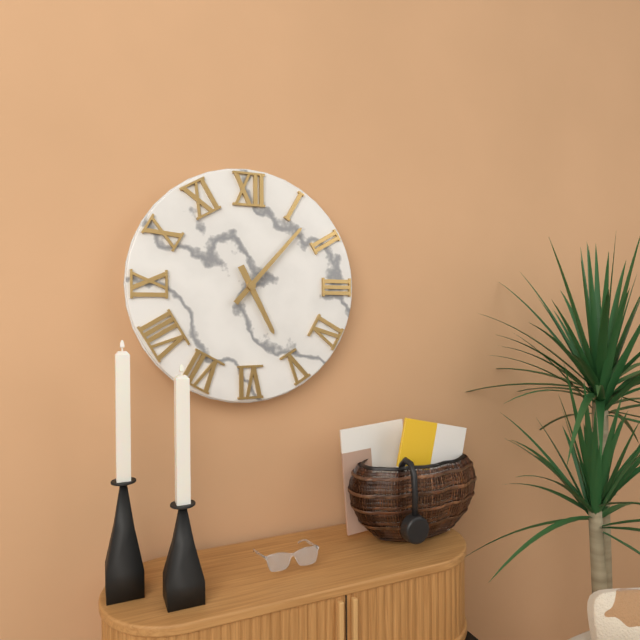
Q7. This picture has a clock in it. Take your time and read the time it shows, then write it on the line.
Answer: 5:07
